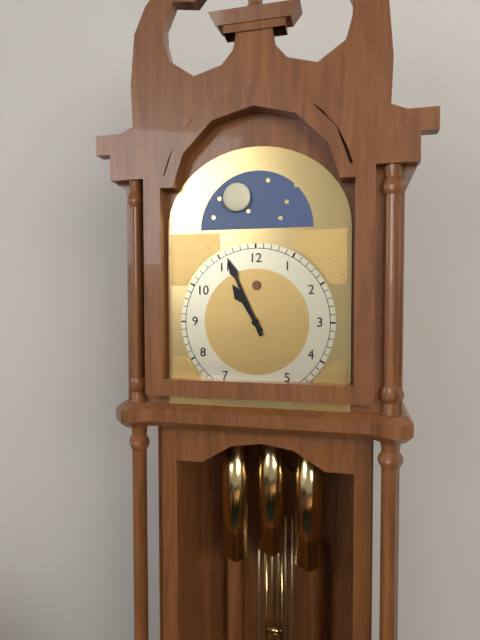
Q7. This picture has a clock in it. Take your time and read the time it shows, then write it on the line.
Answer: 10:56
